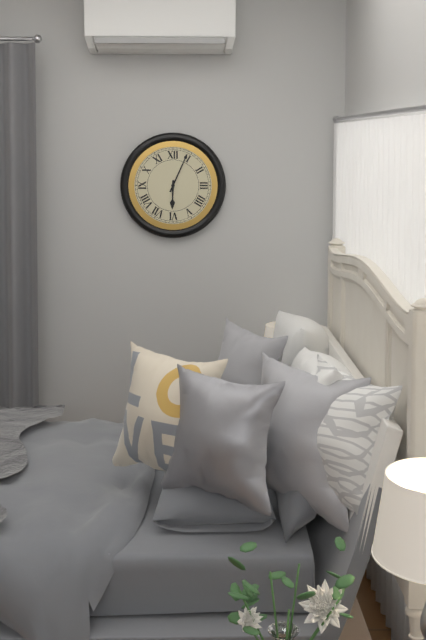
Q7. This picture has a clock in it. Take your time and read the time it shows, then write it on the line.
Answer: 6:04
